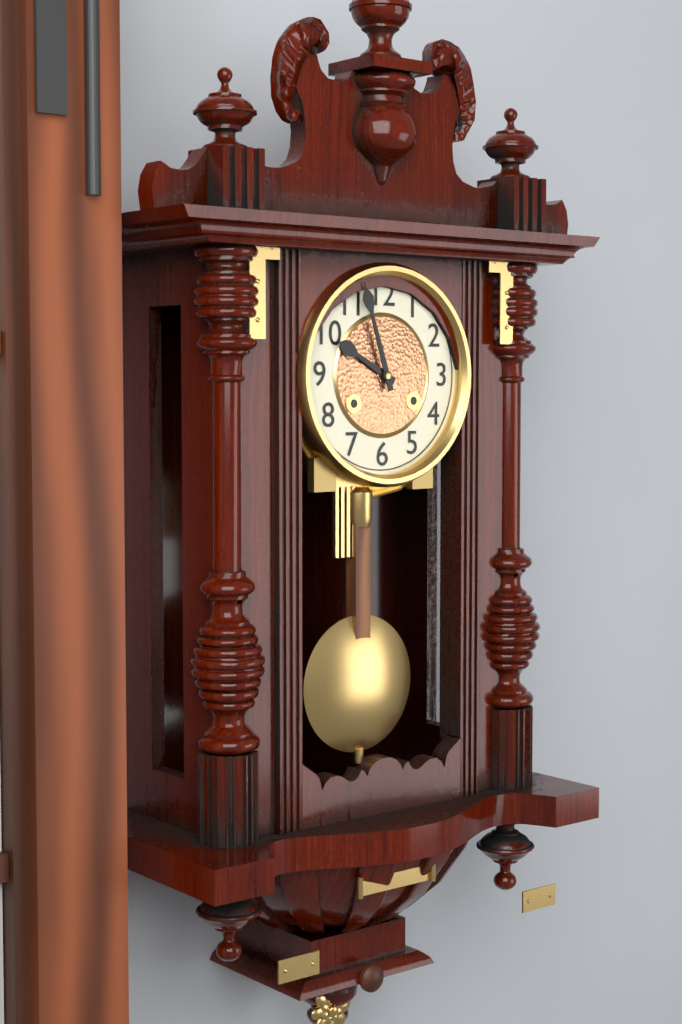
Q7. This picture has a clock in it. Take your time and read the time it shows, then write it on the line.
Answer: 9:57
